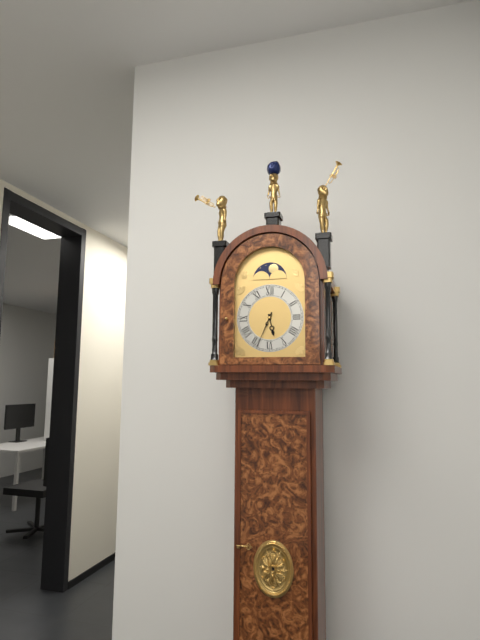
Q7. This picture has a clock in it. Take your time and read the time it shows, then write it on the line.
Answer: 5:34
